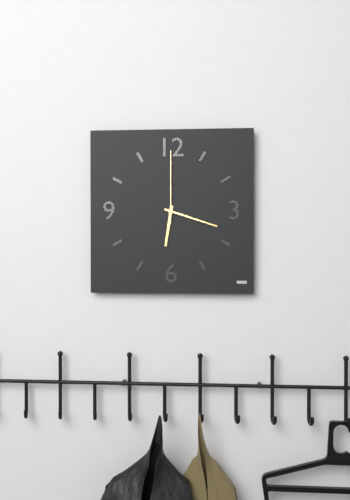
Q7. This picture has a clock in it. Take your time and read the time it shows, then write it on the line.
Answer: 6:18:00
